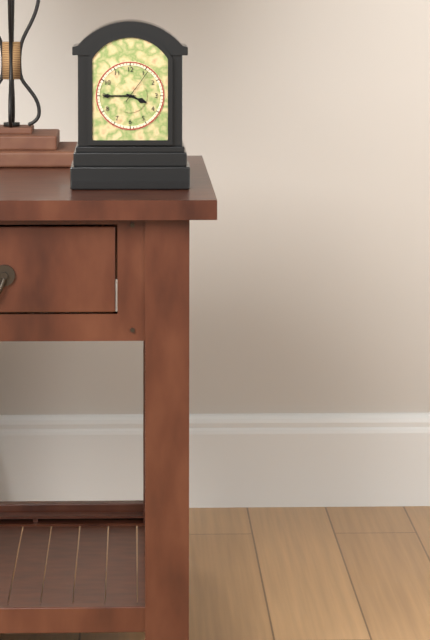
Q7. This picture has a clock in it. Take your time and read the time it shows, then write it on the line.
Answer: 3:45
